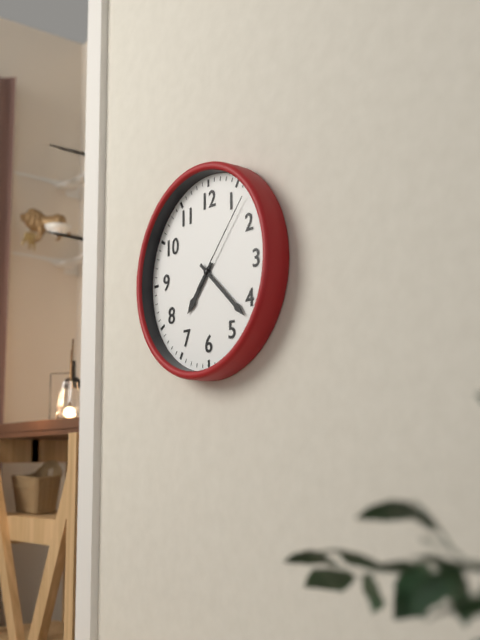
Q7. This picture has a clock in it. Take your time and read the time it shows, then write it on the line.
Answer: 7:22:07
